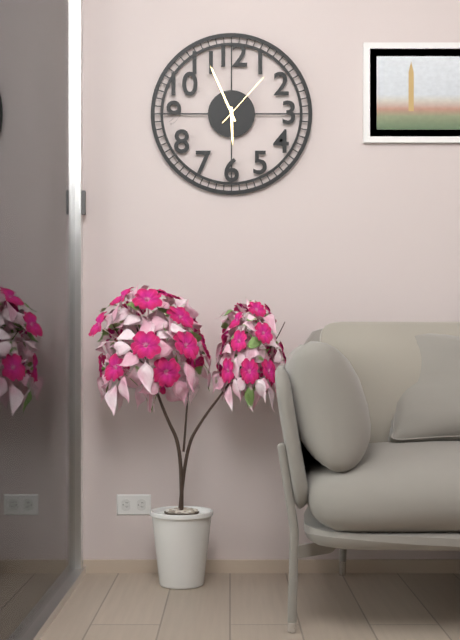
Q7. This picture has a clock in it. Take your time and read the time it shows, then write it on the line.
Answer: 5:56:07
